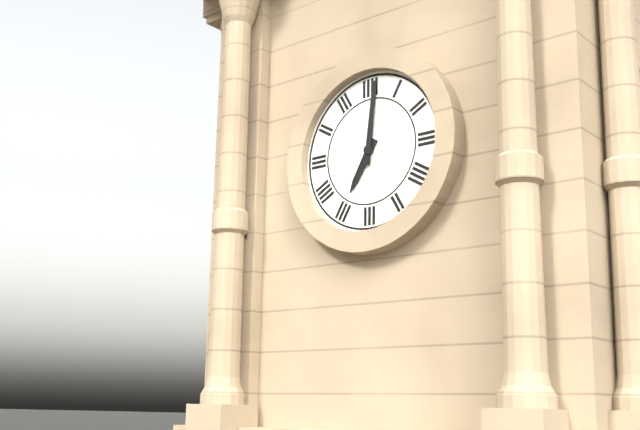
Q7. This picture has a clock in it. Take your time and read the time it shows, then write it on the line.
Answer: 7:01
